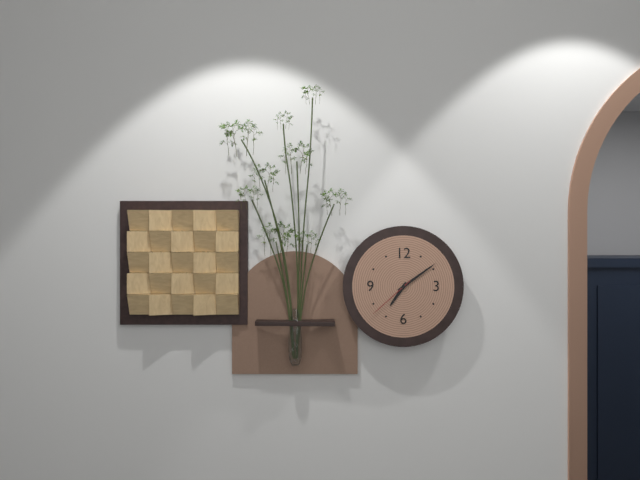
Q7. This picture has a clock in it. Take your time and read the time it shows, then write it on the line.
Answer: 7:09:38
